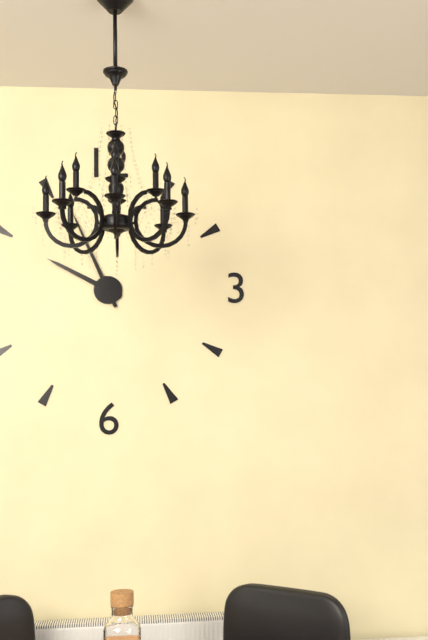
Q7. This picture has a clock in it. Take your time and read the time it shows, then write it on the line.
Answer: 9:56
